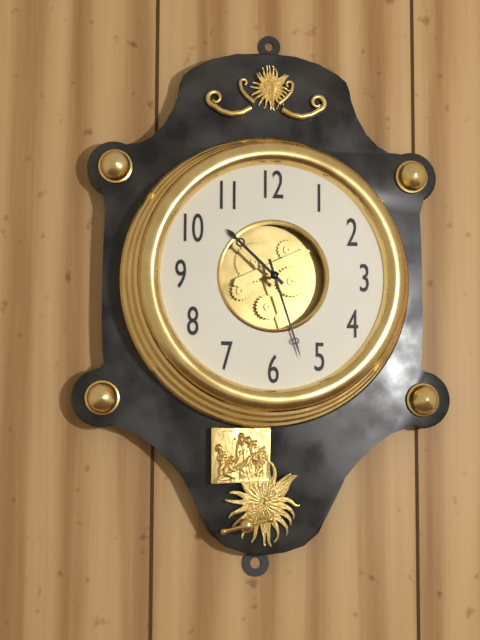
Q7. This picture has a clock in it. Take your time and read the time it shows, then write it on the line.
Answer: 10:27
